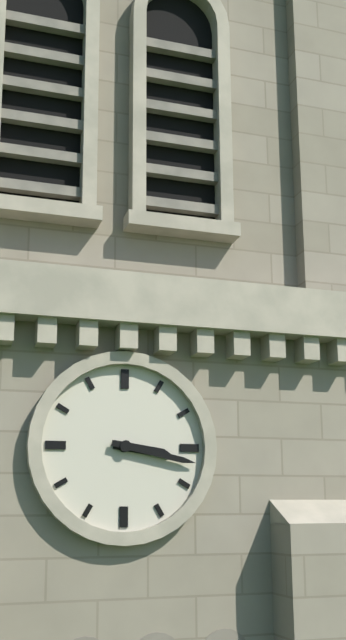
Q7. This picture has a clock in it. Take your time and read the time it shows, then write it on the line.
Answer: 3:17
